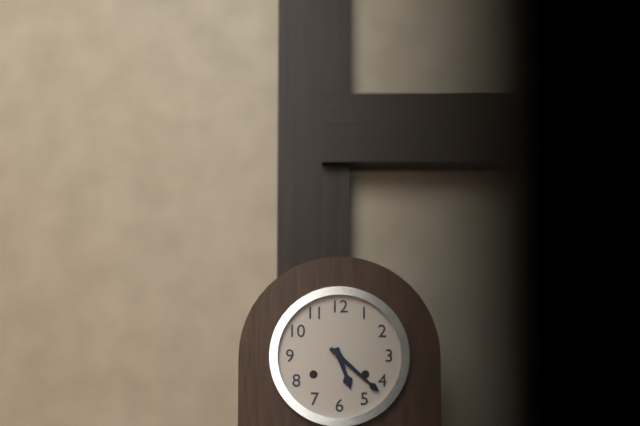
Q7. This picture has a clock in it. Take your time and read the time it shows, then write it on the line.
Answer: 5:22
